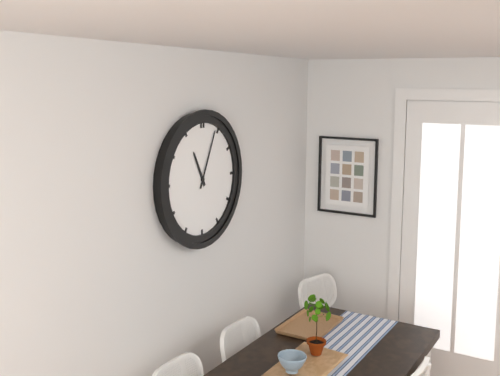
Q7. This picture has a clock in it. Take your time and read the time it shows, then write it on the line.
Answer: 11:04
